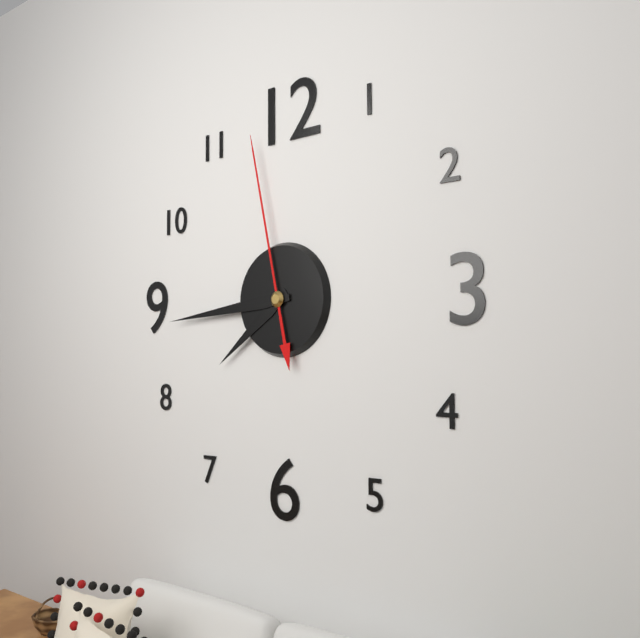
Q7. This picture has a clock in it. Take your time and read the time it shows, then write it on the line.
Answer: 7:44:58
